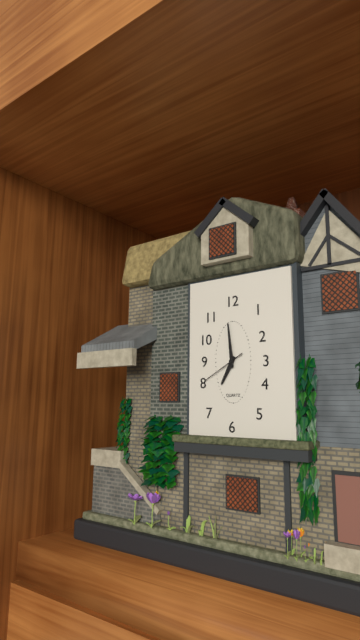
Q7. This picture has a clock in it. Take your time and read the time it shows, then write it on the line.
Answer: 6:59
